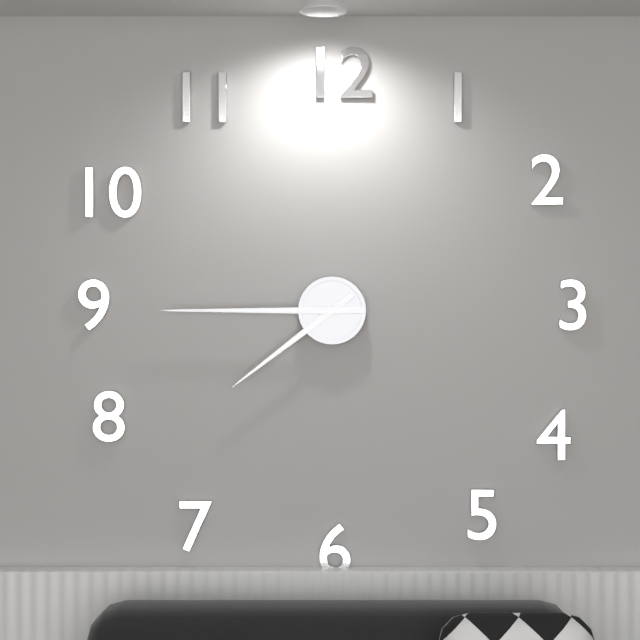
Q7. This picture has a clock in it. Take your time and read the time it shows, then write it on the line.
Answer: 7:45
